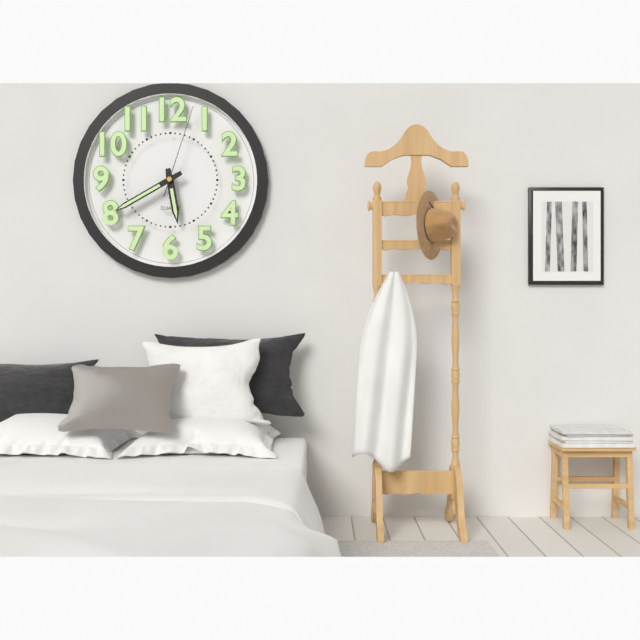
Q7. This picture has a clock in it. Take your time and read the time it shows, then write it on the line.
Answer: 5:40:03
